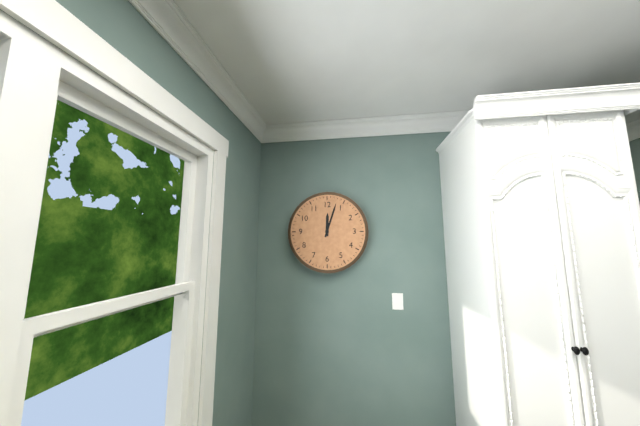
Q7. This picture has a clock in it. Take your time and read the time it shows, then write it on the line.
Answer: 12:03
